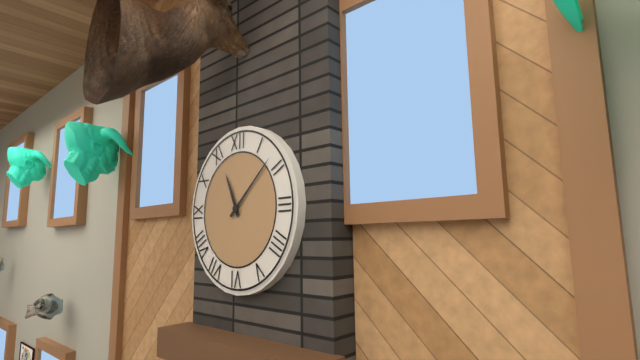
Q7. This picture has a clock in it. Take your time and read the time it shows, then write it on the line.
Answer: 11:08
